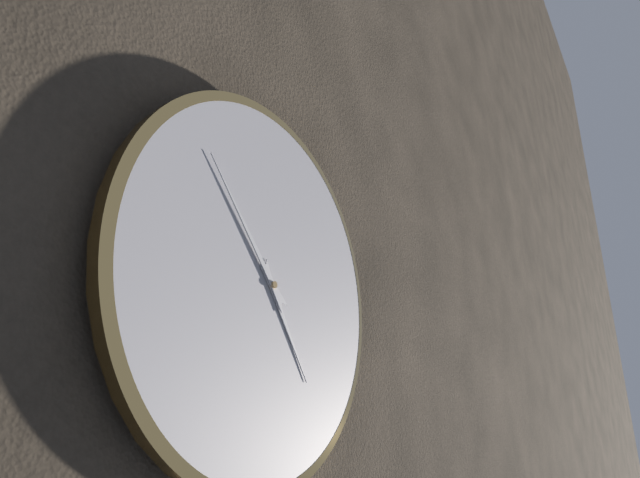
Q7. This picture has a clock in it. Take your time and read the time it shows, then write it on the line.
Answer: 4:53
